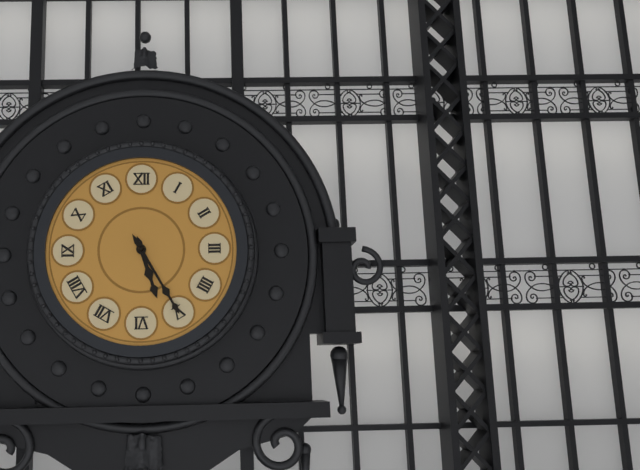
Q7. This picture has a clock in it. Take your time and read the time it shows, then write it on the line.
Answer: 5:25
